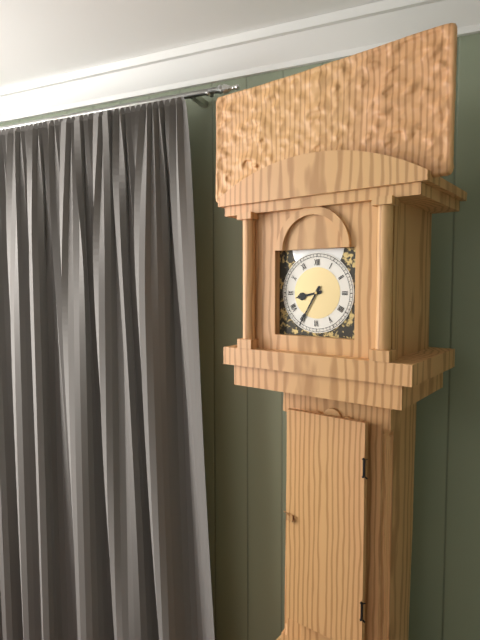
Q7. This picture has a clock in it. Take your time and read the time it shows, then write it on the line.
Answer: 8:35
